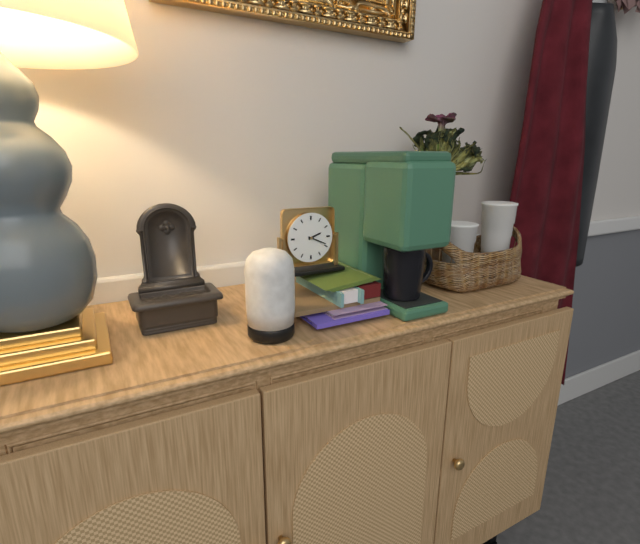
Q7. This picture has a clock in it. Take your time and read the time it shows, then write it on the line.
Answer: 2:19
